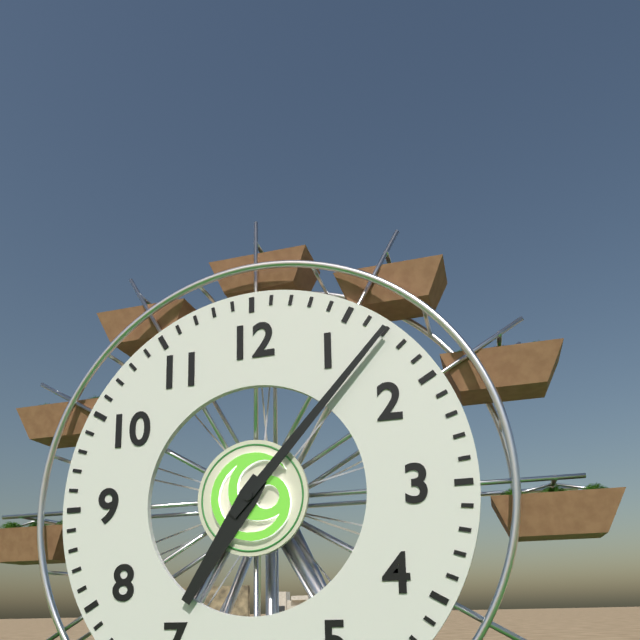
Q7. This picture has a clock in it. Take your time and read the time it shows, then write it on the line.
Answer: 7:07
